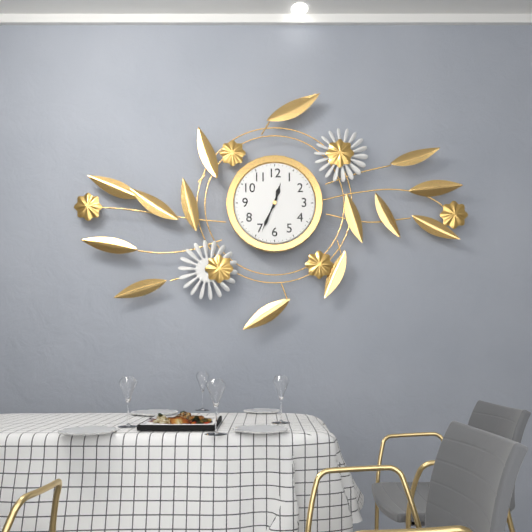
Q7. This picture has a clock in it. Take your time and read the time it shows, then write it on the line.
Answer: 12:34
